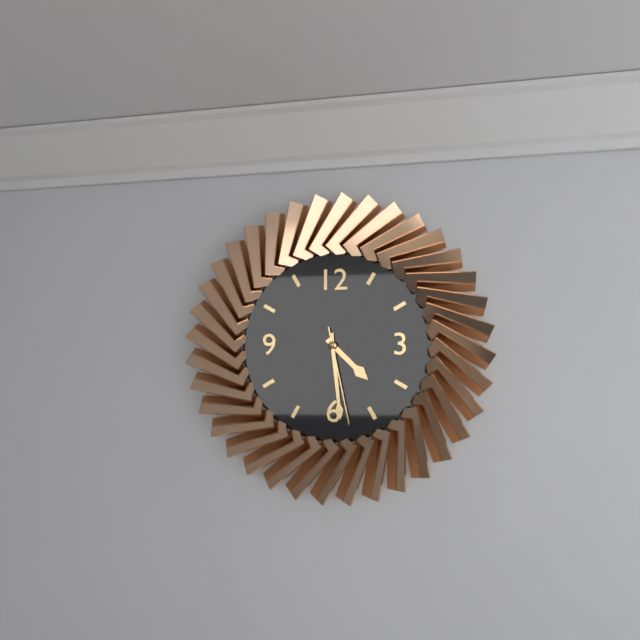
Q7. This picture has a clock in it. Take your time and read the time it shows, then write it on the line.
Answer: 4:29:28
